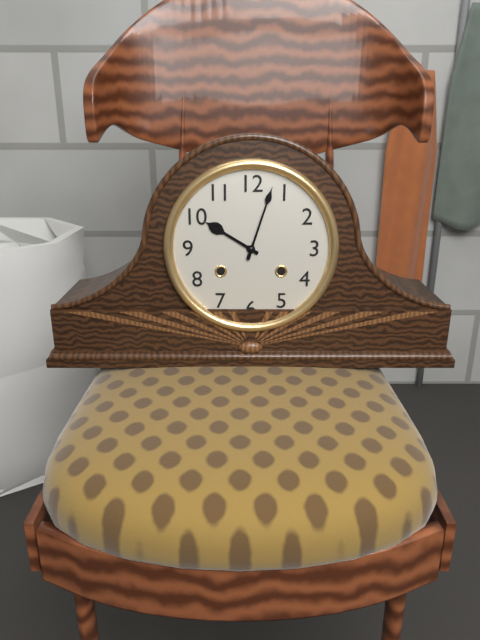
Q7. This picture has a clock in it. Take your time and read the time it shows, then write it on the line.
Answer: 10:03
